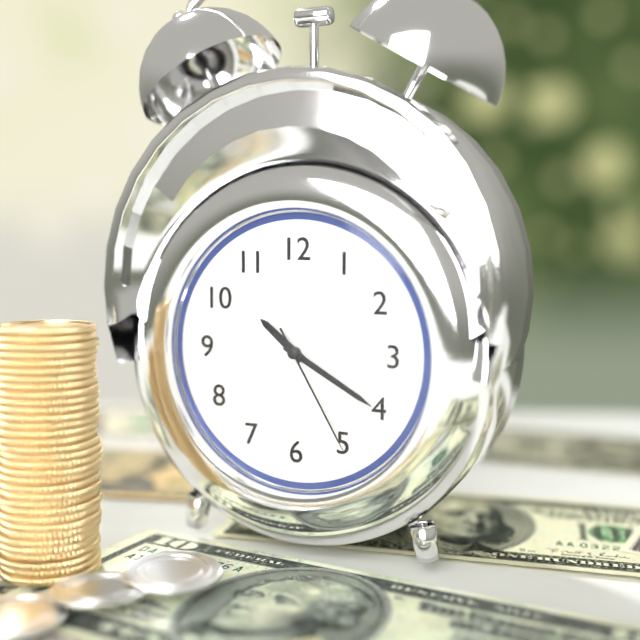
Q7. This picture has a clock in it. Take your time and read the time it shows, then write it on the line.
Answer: 10:20:25
